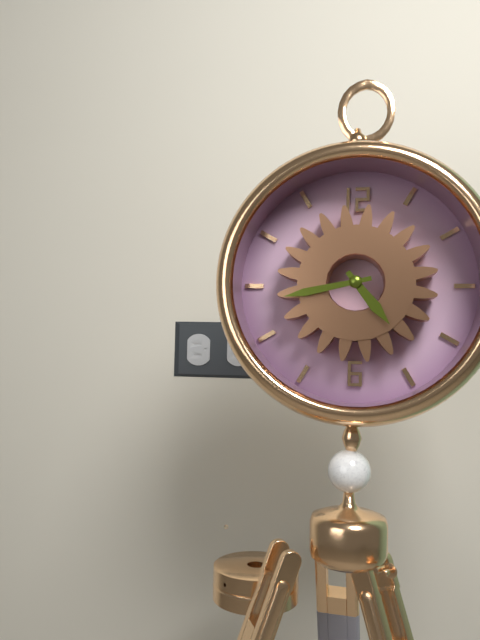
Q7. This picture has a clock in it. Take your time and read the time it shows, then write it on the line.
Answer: 4:43
